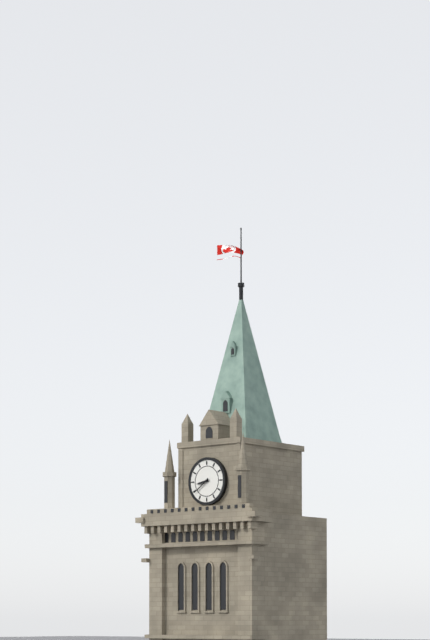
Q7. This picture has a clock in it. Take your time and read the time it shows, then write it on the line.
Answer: 8:39
